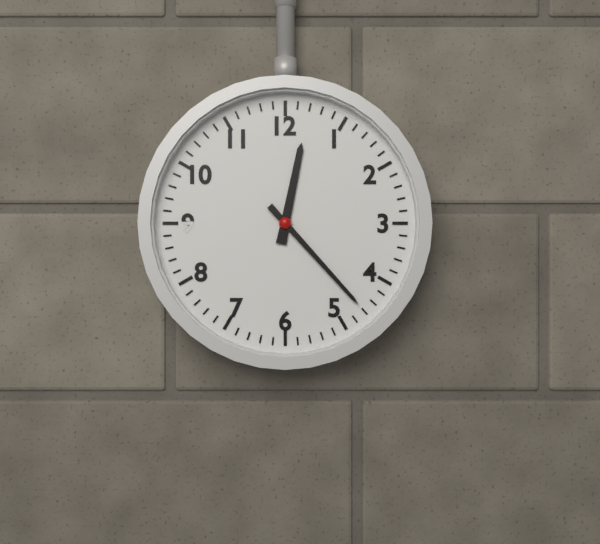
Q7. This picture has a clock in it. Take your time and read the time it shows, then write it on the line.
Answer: 12:23
